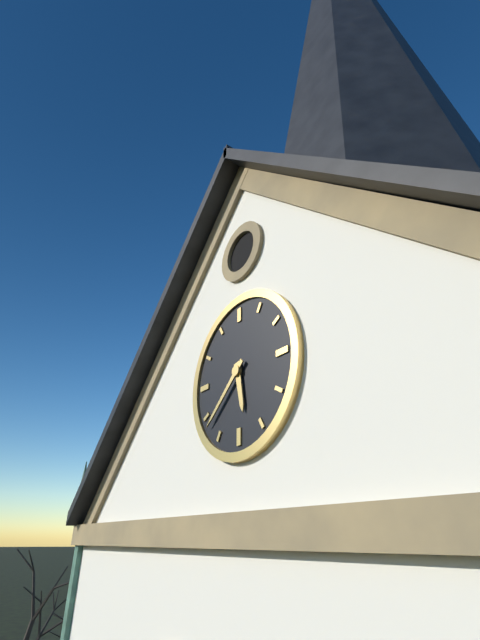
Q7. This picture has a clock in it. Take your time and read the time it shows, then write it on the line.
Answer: 5:38
